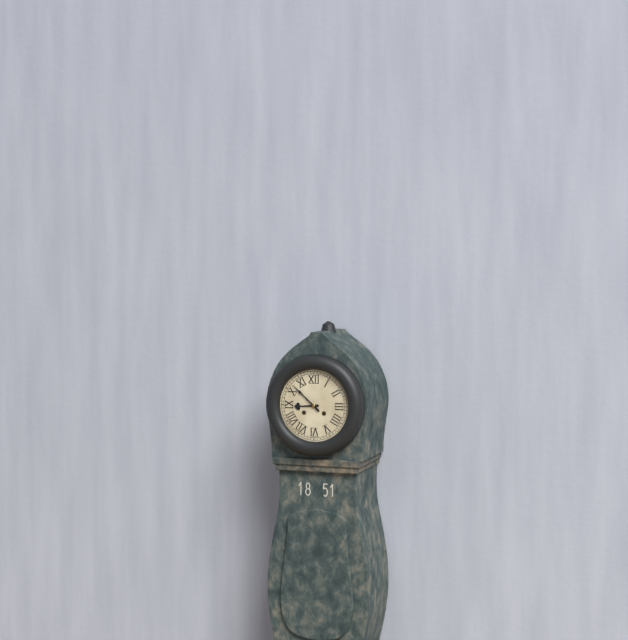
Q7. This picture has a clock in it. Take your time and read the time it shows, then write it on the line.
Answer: 8:52
